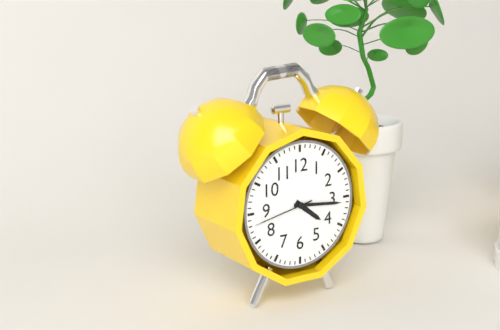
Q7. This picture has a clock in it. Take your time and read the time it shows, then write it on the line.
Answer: 4:16:43
